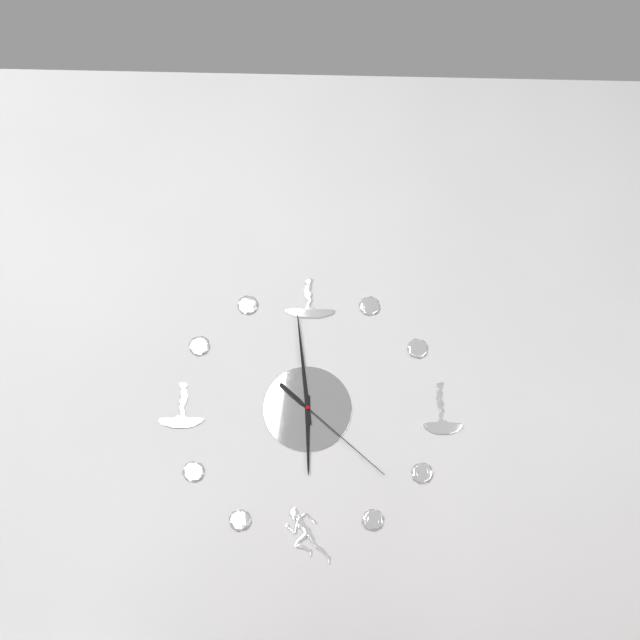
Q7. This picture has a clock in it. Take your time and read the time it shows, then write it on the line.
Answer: 5:59:22
